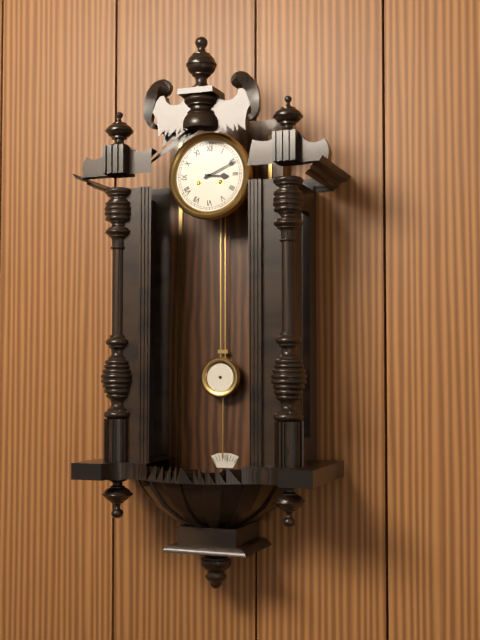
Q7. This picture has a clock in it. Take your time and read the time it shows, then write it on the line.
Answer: 3:11
